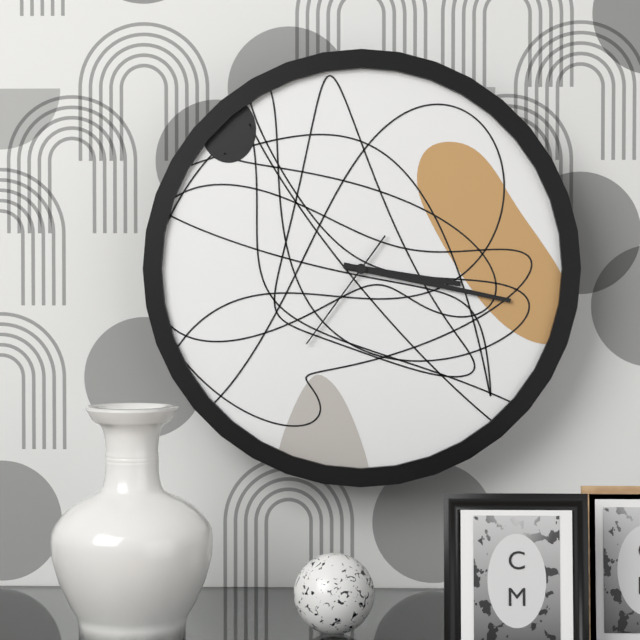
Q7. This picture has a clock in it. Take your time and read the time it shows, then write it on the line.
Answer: 3:17:36
